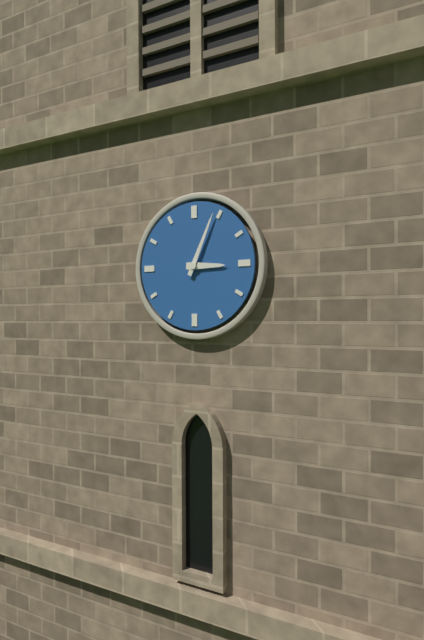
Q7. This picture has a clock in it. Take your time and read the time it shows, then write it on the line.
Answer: 3:04
